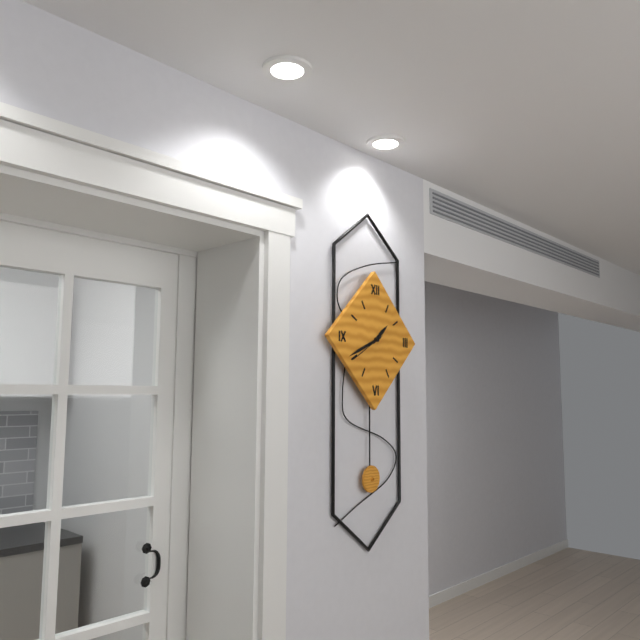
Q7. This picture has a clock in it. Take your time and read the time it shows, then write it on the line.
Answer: 1:41
